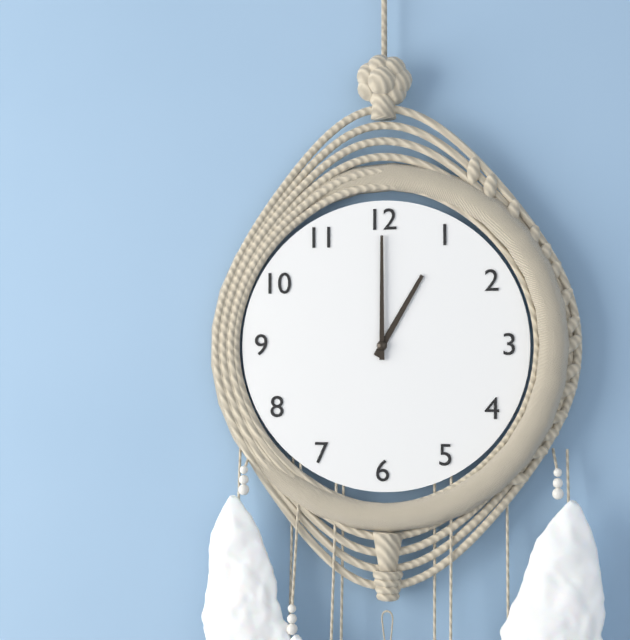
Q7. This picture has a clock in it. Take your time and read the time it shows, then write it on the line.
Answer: 1:00
